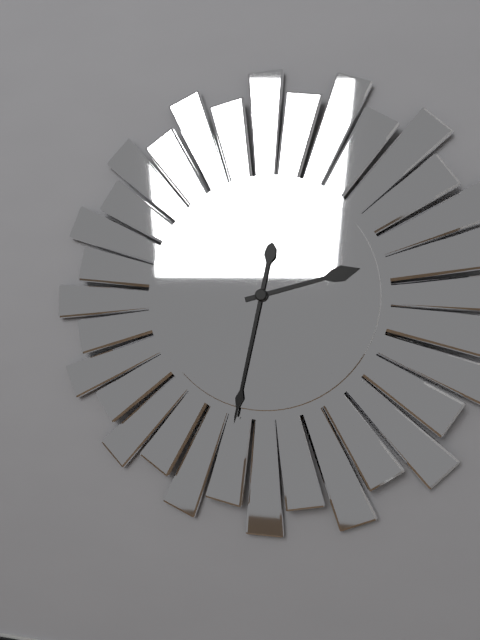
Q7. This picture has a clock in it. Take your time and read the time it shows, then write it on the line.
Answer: 2:32
